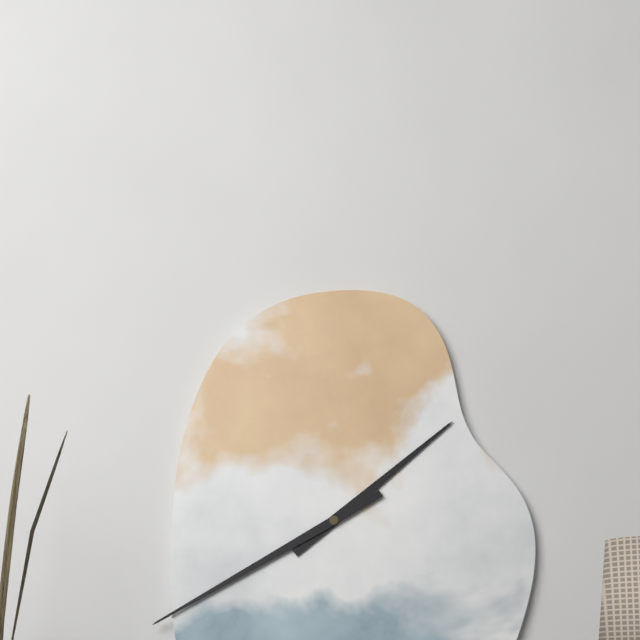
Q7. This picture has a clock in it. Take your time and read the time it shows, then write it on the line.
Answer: 1:40
